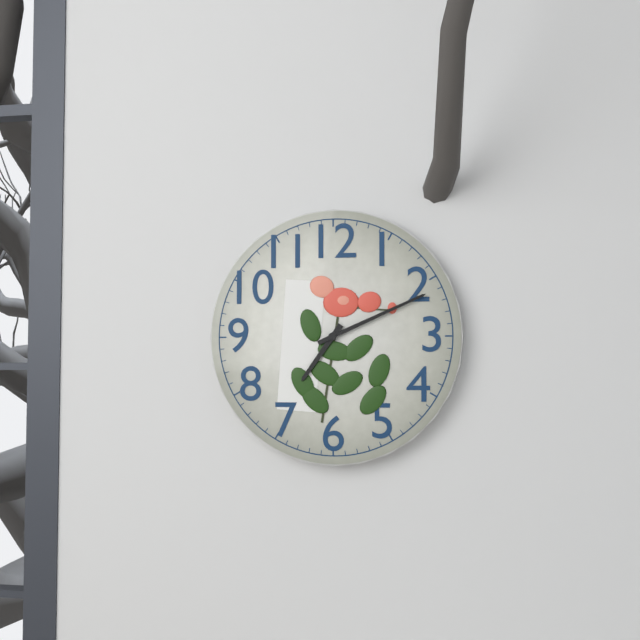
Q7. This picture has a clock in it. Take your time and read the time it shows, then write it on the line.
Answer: 7:11
